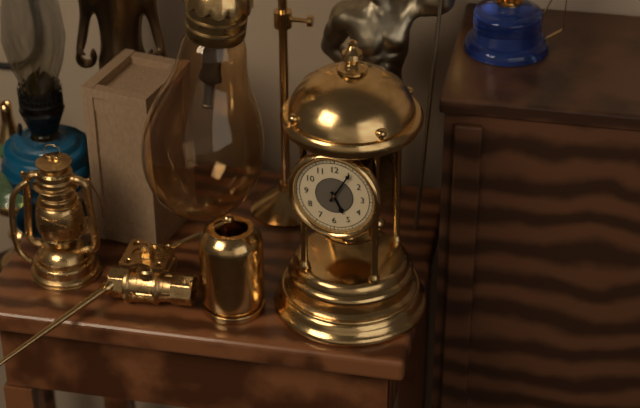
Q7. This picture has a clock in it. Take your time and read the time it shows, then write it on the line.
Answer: 5:05
